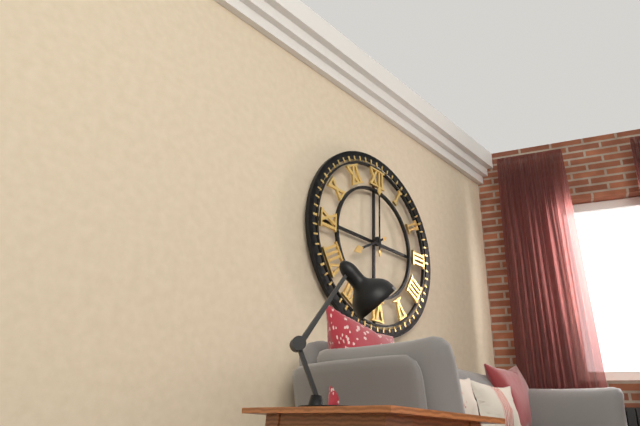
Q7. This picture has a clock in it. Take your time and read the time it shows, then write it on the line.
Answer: 8:00
